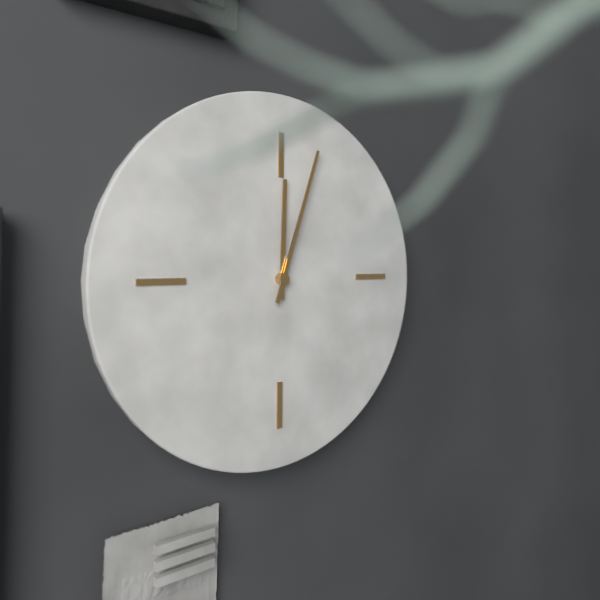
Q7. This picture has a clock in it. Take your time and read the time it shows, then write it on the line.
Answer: 12:03
